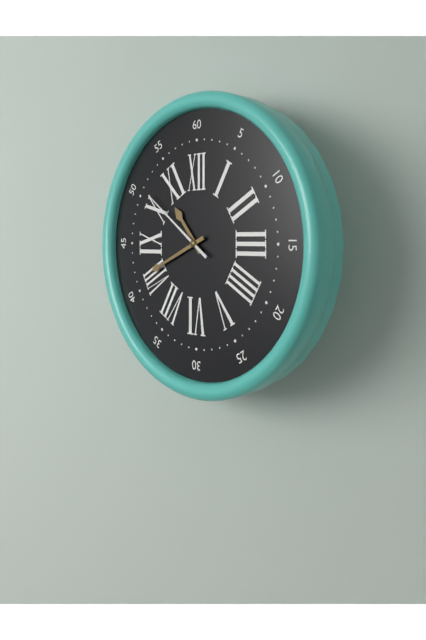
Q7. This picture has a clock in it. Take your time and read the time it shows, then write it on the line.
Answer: 10:41:51
